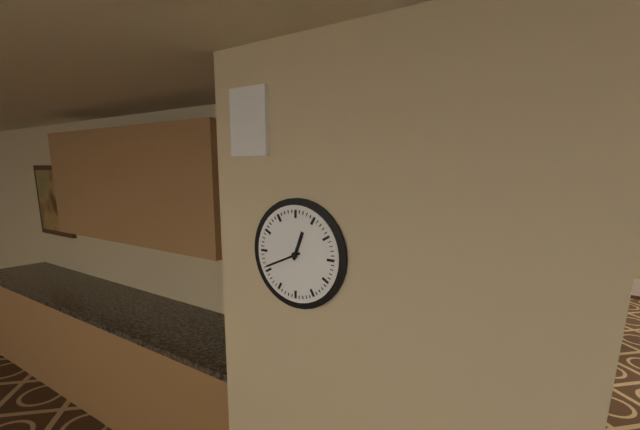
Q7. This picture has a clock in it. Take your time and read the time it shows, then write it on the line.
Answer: 12:41
